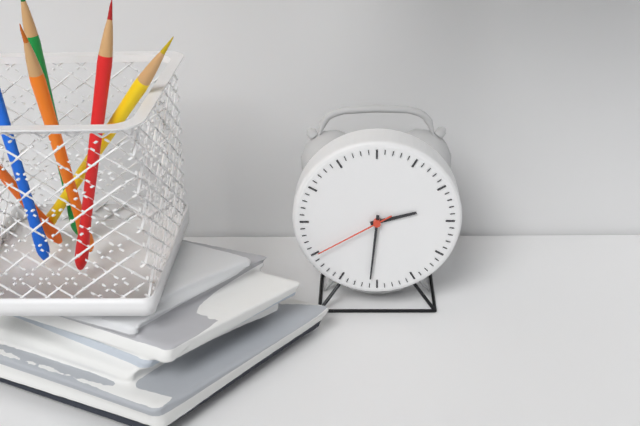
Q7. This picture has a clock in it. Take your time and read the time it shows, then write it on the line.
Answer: 2:31:40
